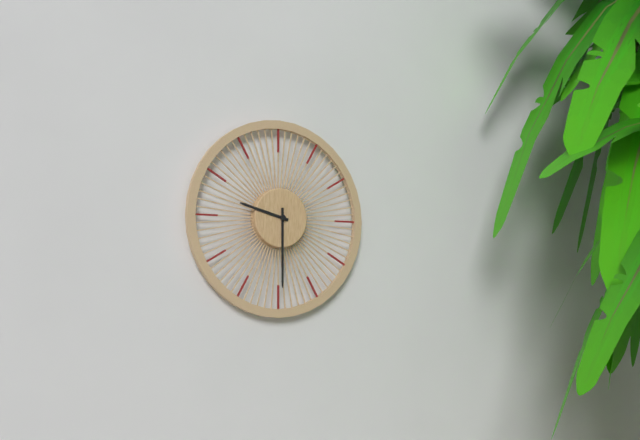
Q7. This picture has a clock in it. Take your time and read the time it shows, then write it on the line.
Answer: 9:30
